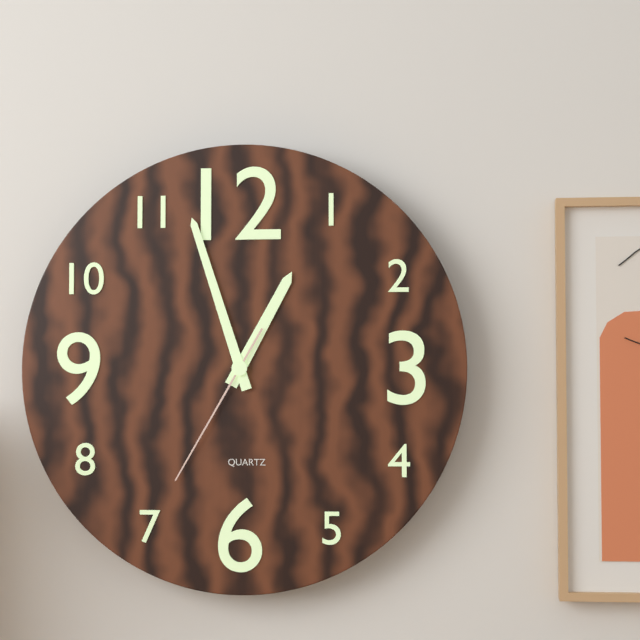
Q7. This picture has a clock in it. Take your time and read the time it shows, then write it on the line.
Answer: 12:57:35
